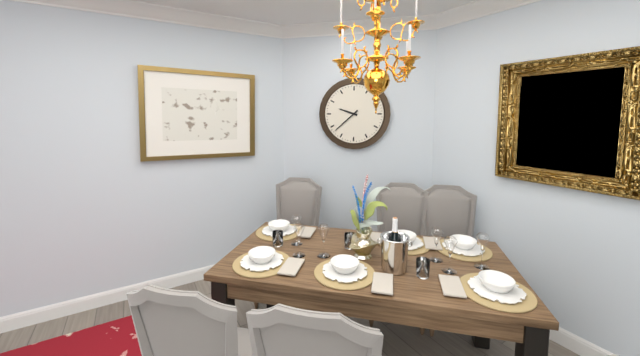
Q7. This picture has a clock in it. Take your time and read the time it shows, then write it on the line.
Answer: 9:38
